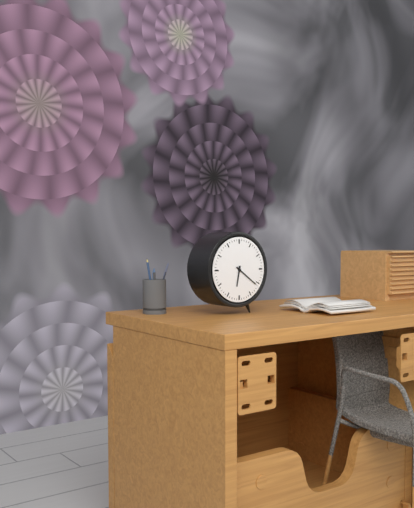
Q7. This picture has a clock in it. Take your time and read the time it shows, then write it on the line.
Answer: 6:21
